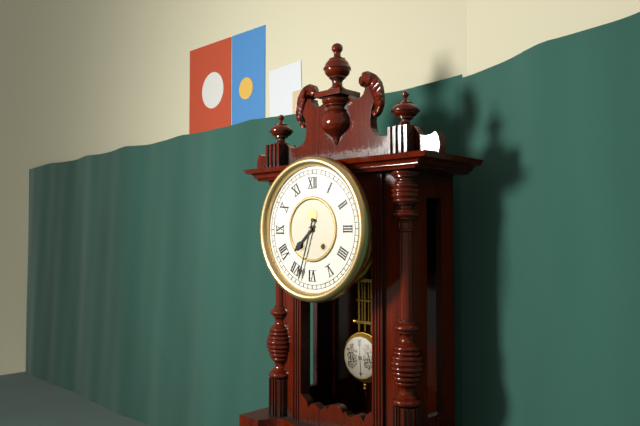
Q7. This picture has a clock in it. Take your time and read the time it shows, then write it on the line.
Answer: 7:33
